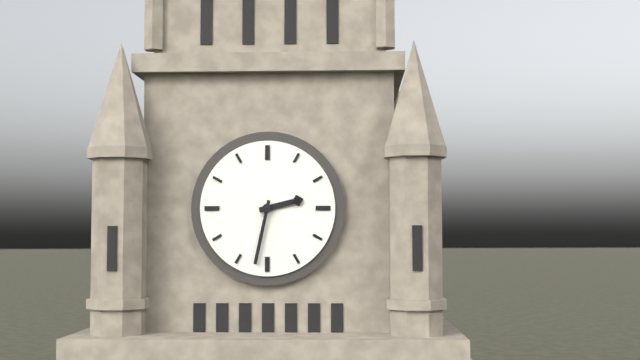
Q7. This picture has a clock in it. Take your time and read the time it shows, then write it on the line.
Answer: 2:32
